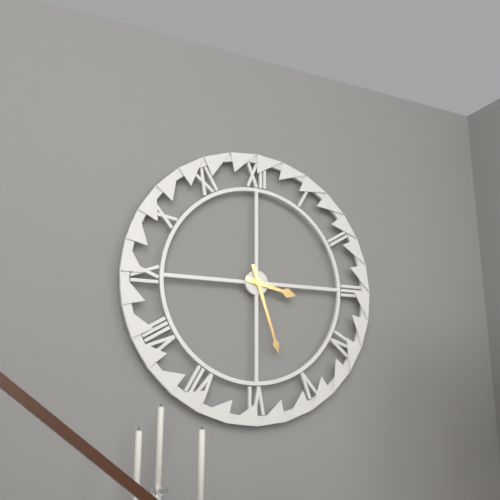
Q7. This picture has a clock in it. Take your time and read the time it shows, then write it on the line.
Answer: 3:27
